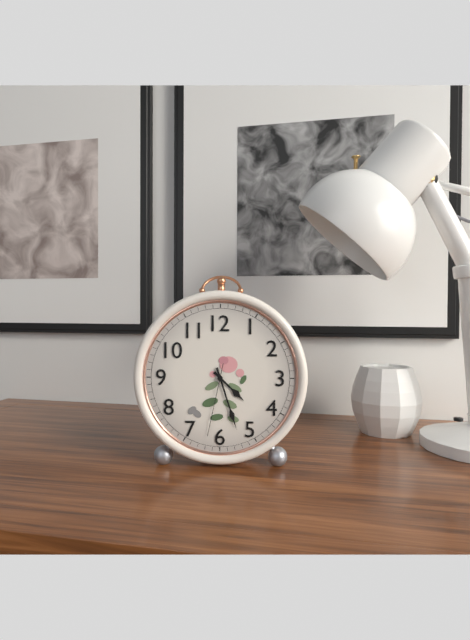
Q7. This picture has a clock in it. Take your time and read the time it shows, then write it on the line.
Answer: 4:27:32
